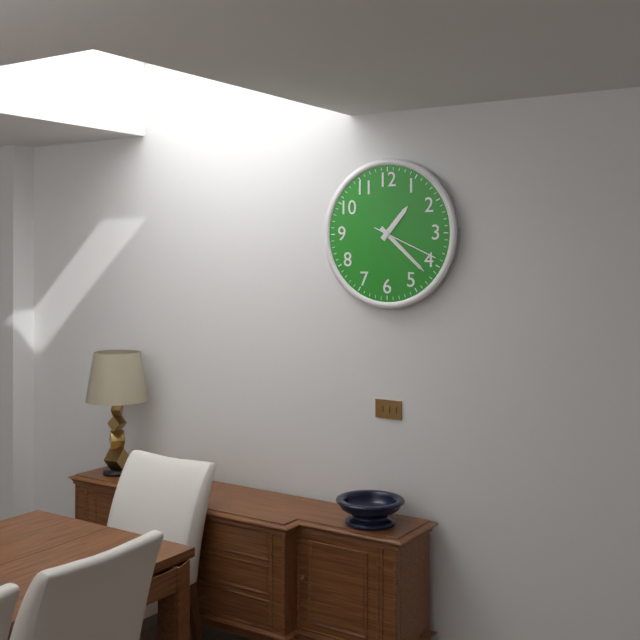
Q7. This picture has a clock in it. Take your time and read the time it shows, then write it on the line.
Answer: 1:22:19
